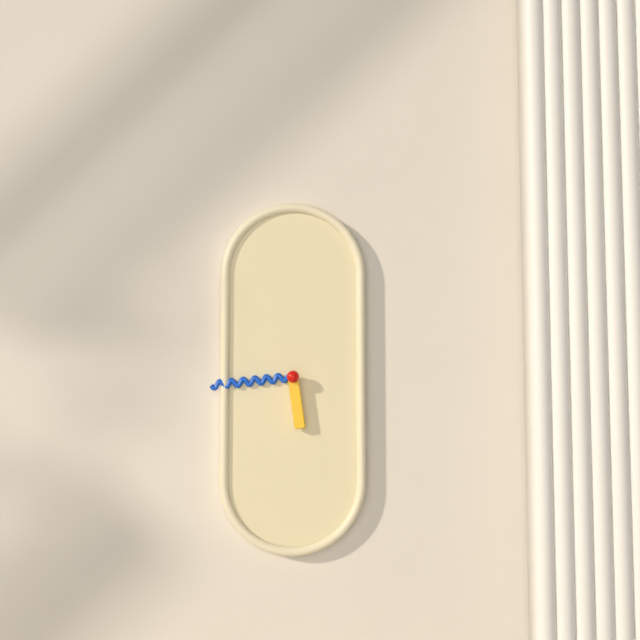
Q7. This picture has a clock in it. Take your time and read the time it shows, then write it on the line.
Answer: 5:44
